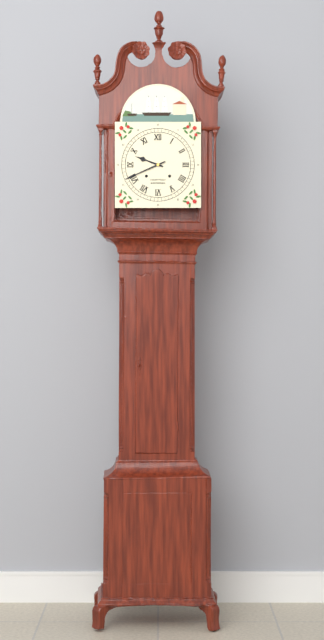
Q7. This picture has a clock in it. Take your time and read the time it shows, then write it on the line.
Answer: 9:41
